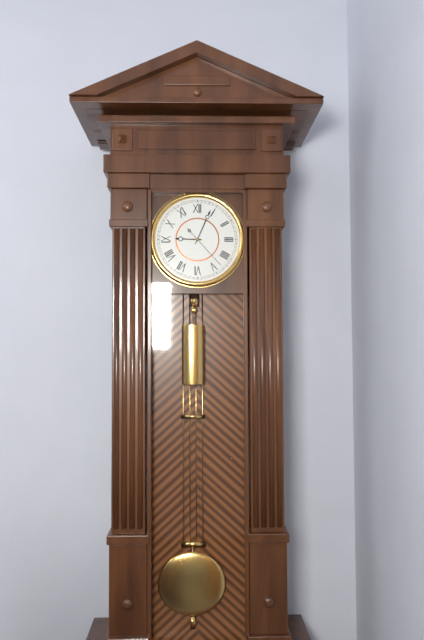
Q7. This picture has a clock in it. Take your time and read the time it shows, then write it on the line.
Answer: 9:04
